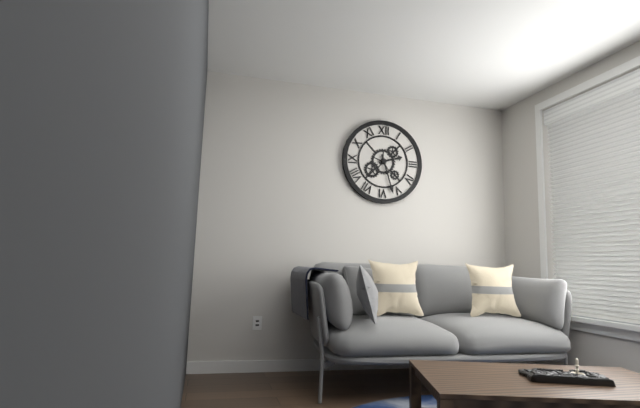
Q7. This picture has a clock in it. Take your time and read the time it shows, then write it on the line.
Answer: 2:27
